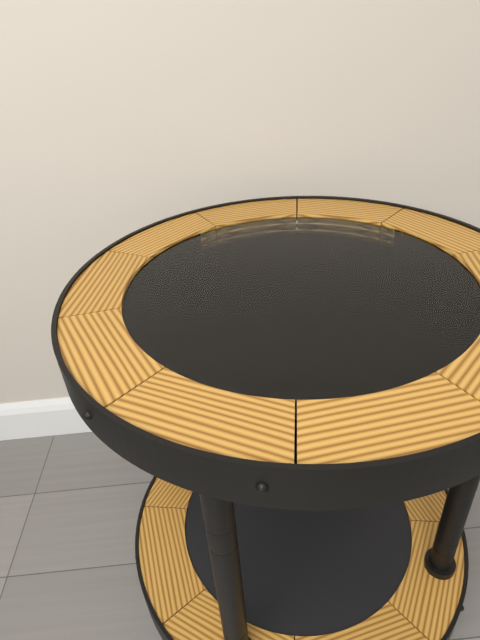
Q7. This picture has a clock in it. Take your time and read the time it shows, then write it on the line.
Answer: 4:17
